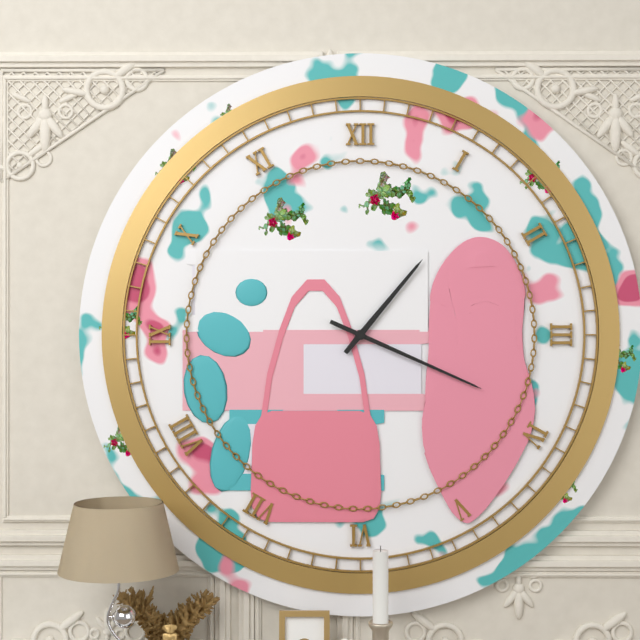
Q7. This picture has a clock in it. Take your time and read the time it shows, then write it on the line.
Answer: 1:19
